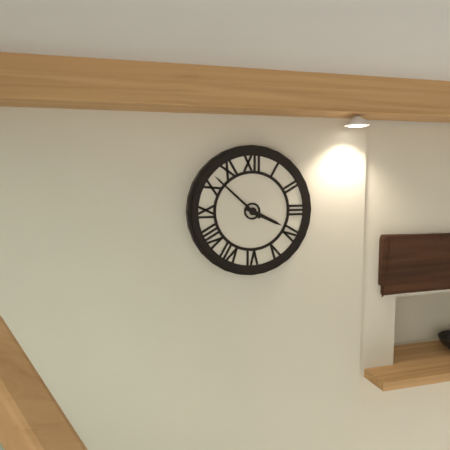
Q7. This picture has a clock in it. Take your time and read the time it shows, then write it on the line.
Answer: 3:52
